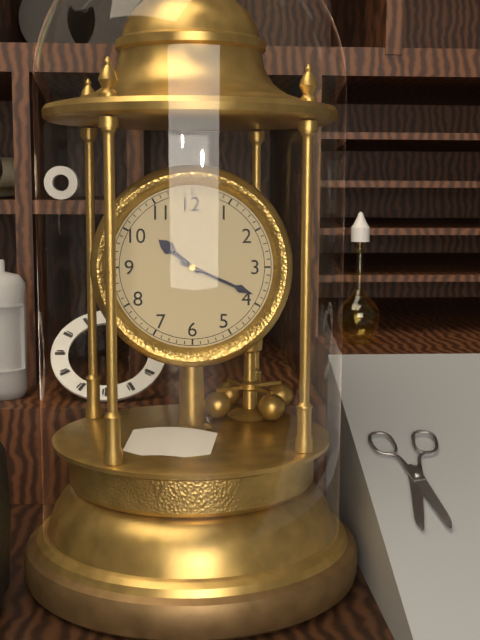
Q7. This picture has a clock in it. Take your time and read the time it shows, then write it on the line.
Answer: 10:19
